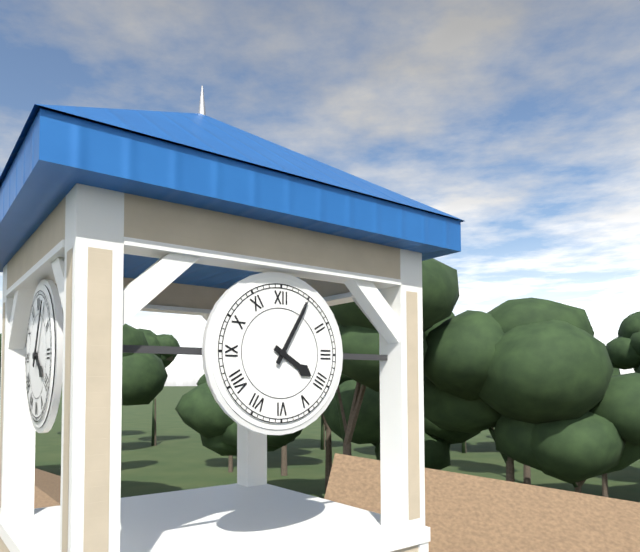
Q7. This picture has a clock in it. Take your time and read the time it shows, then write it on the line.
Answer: 4:05
